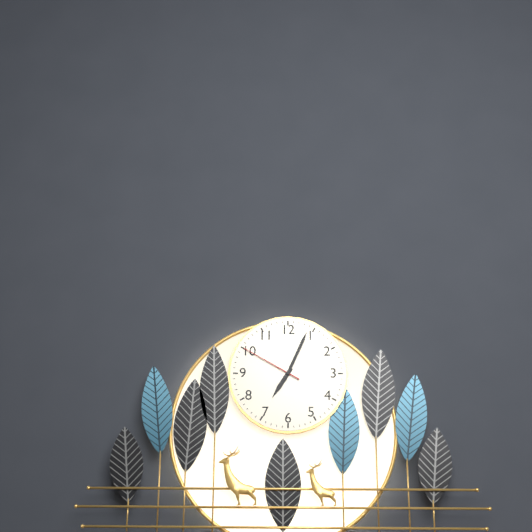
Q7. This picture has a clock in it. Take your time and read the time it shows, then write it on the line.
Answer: 7:04:50
